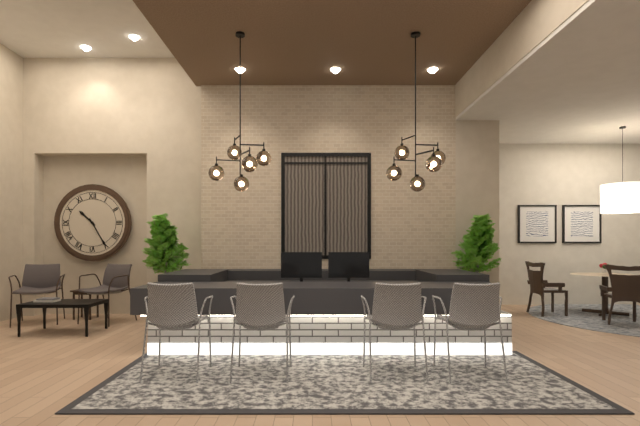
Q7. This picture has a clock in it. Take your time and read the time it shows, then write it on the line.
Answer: 10:25
